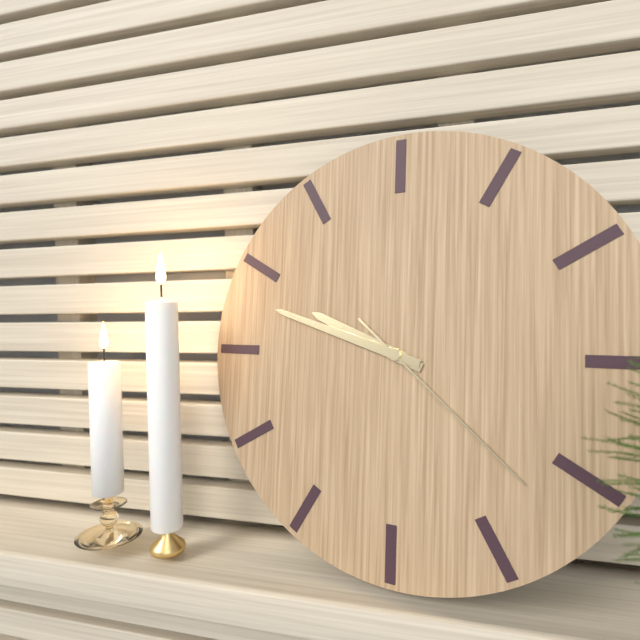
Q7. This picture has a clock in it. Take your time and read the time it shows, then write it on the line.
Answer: 9:48:22
